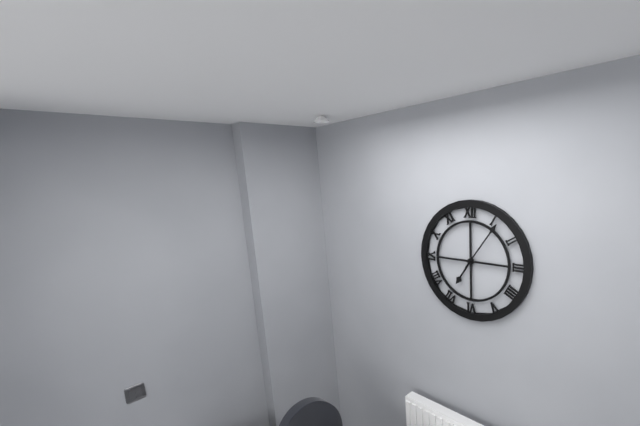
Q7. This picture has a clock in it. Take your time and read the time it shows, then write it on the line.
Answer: 7:06
